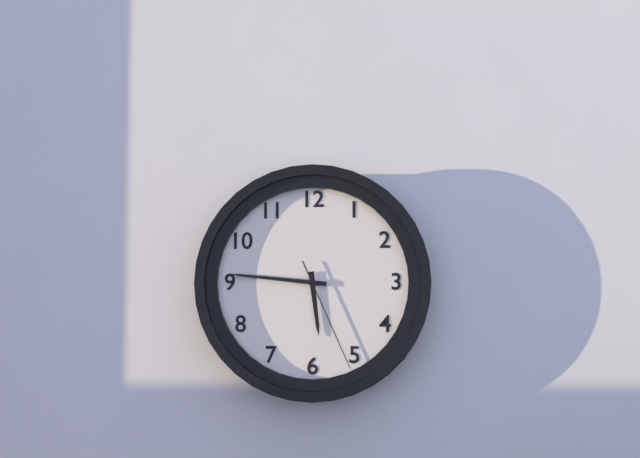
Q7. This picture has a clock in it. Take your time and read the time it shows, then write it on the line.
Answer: 5:46:26
